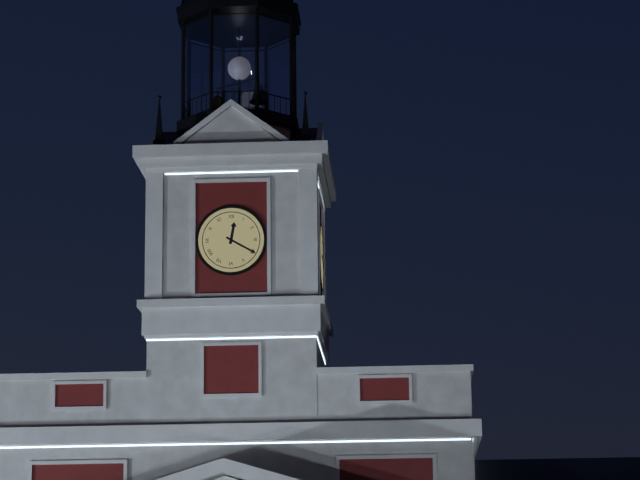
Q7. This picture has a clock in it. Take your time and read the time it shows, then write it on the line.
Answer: 12:20
